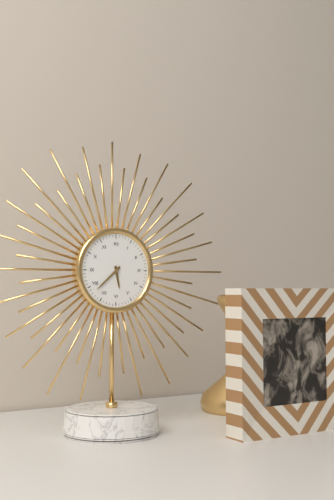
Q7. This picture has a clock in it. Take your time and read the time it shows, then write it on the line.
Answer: 5:38
